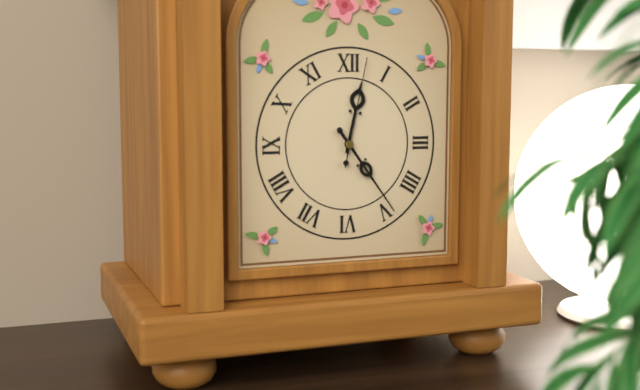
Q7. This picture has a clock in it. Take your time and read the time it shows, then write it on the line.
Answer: 12:24:02
